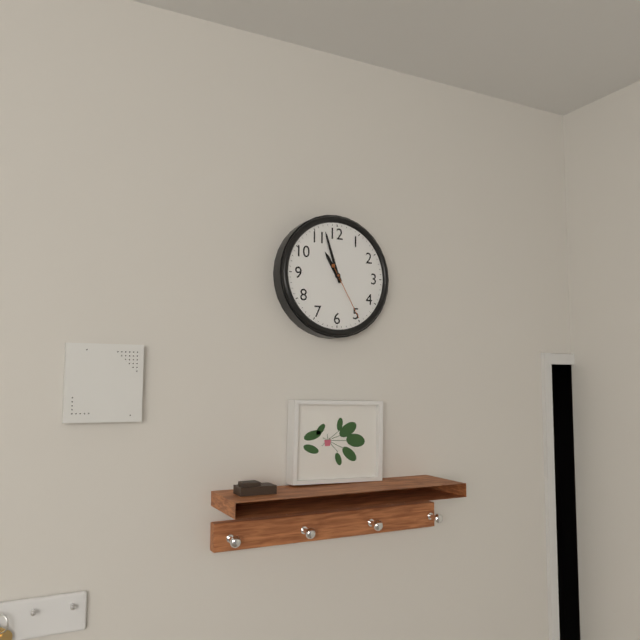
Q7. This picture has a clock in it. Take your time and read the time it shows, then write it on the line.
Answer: 10:57:25
